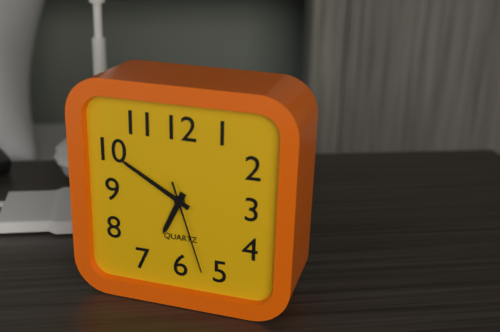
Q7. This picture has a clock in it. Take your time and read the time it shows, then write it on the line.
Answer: 6:50:27
